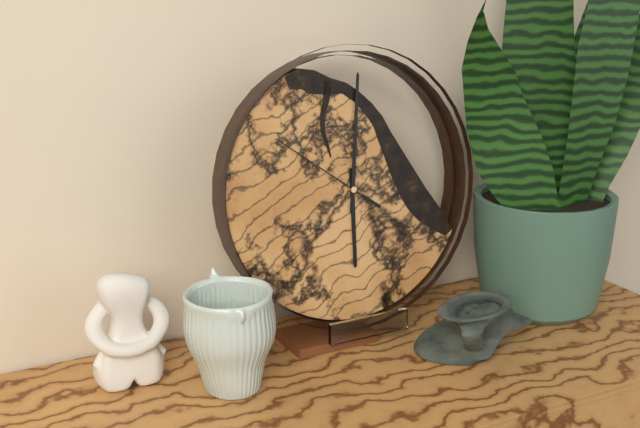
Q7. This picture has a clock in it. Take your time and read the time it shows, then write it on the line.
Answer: 6:01:51
